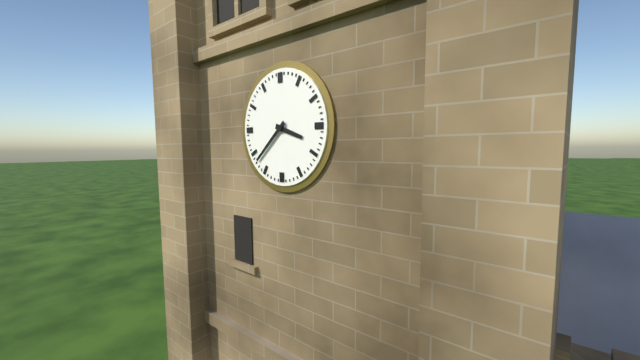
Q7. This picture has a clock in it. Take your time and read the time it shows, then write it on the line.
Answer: 3:38
